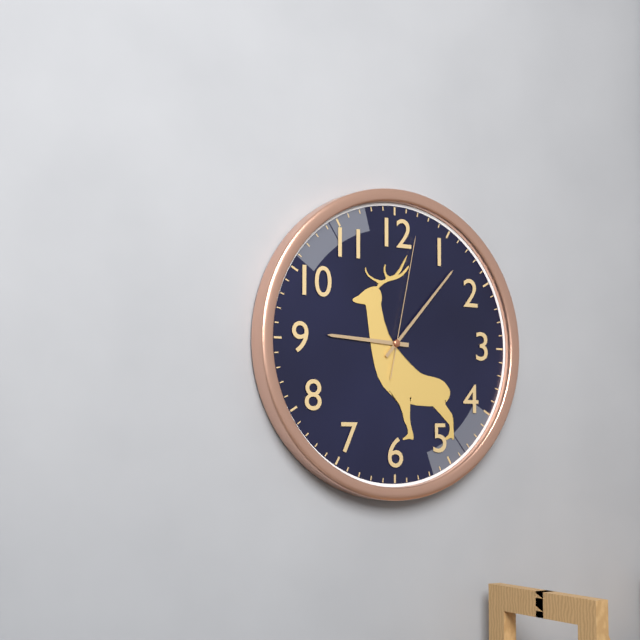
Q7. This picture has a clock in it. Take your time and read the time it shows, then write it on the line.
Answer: 9:07:02
